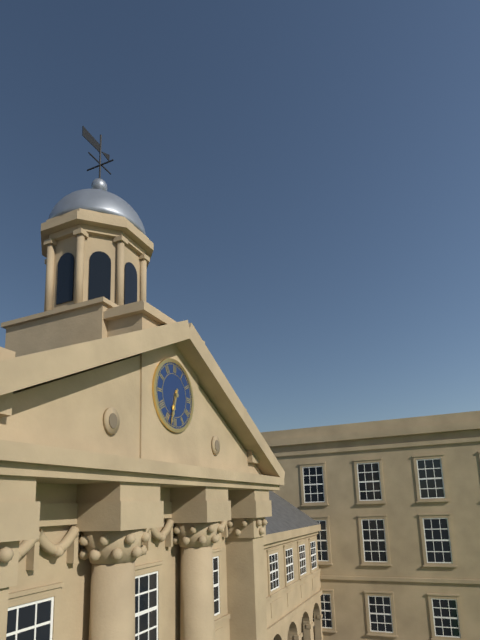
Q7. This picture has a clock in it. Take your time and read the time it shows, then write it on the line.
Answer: 6:33
